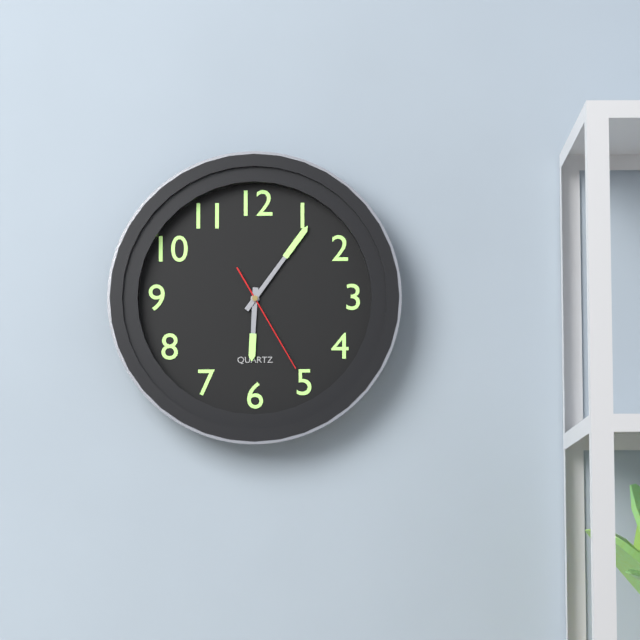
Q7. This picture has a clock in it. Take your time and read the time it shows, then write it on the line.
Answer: 6:06:25
